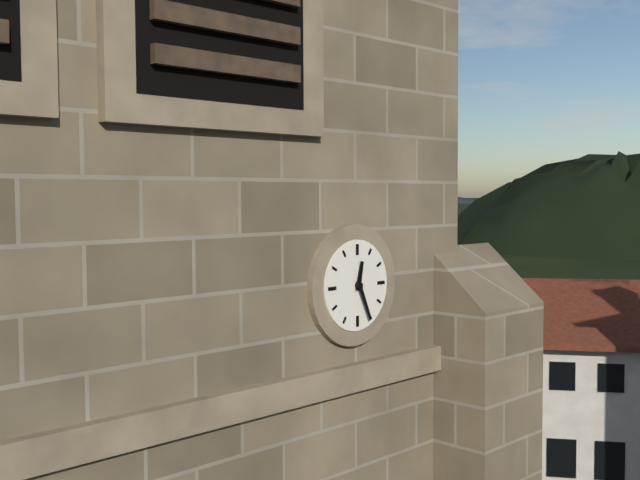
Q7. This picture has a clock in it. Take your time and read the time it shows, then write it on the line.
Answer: 12:26
